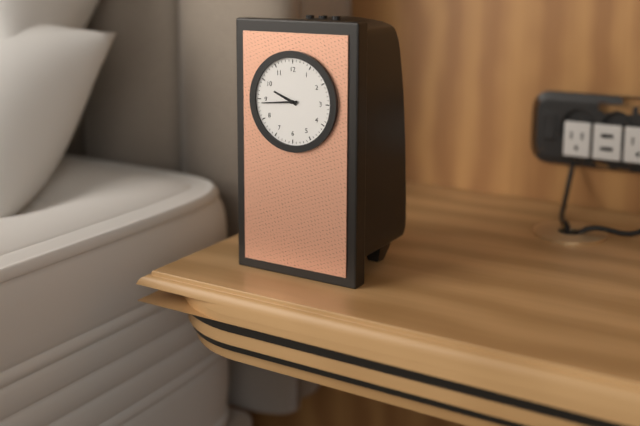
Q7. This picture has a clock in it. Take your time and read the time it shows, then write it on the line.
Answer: 9:44
